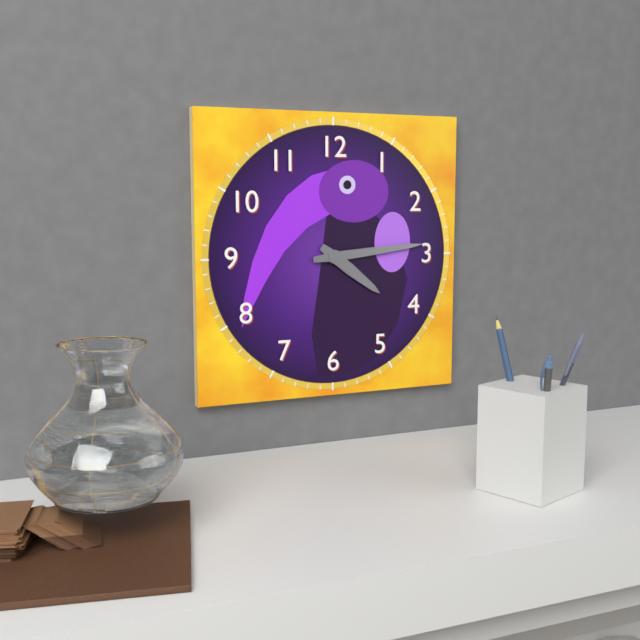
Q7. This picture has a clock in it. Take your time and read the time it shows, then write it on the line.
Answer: 4:14
